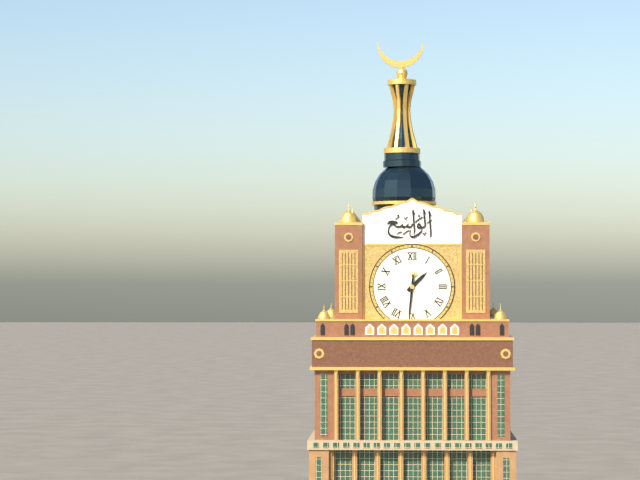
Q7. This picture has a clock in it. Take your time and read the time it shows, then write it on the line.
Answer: 1:31
